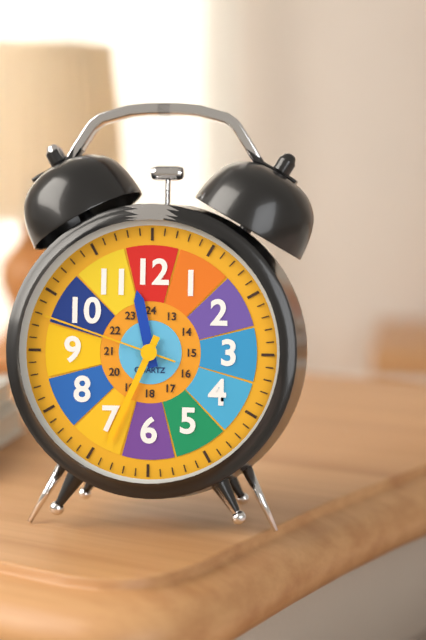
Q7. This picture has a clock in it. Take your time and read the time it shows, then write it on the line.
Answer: 11:34:48
